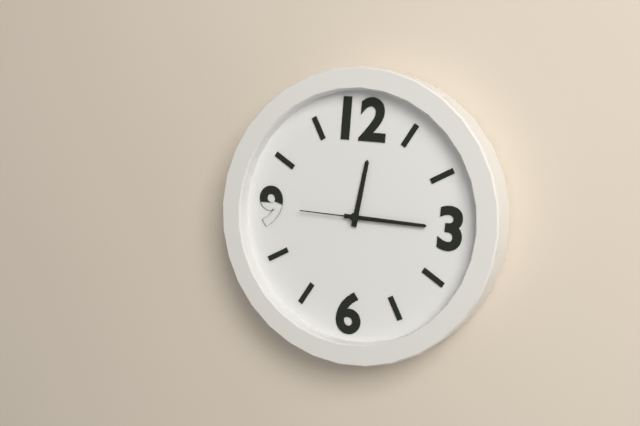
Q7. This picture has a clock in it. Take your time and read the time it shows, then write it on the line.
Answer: 12:15:45
